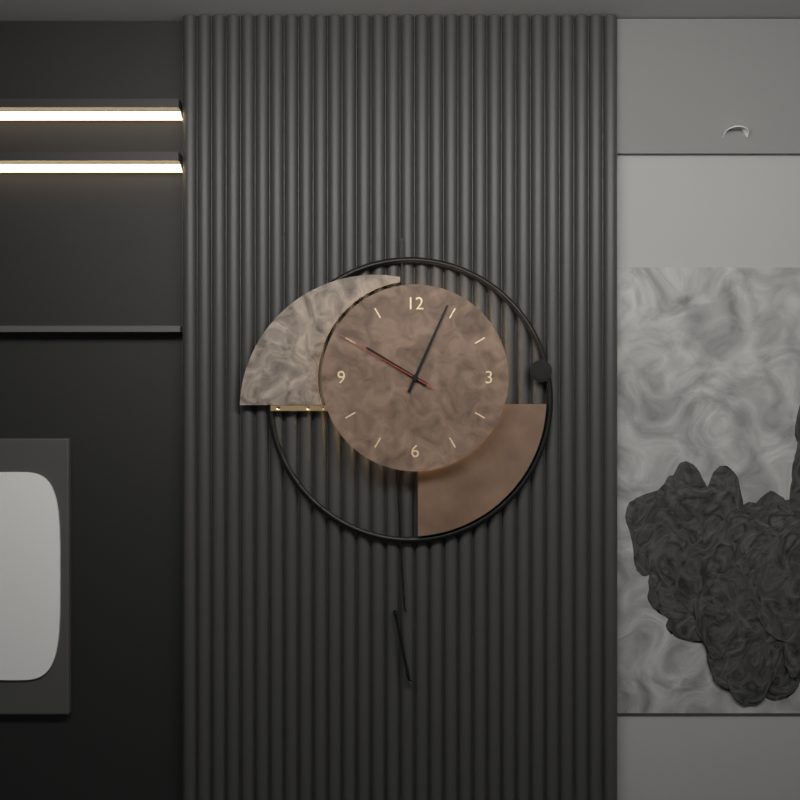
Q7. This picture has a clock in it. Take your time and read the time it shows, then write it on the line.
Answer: 10:04:50
